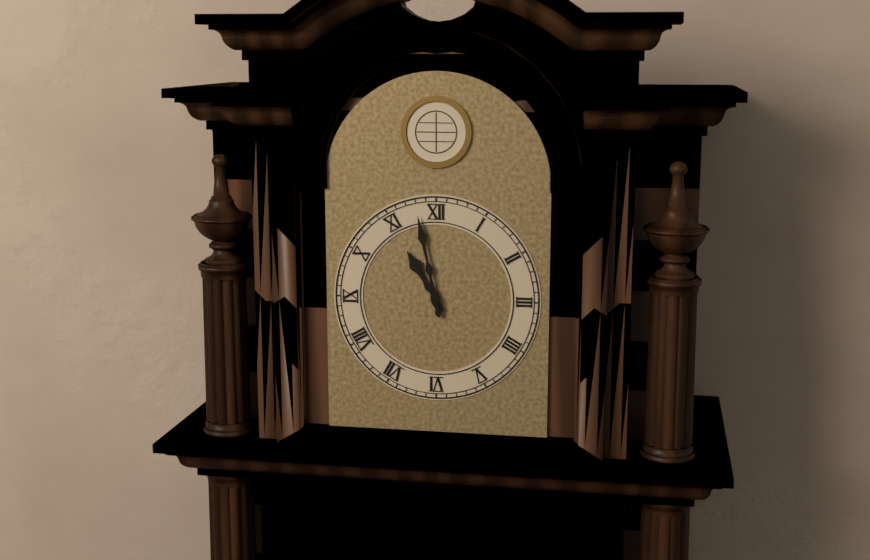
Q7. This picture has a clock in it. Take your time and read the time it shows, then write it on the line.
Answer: 10:58
